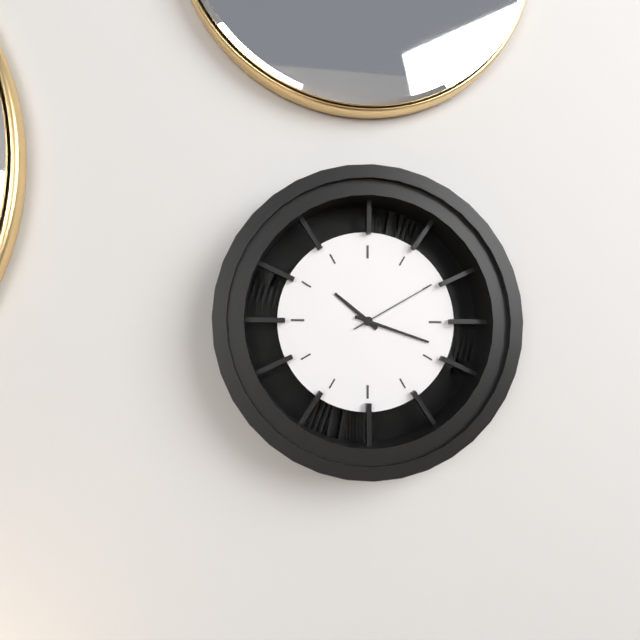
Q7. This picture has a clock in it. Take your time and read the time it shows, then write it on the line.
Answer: 10:18:10
